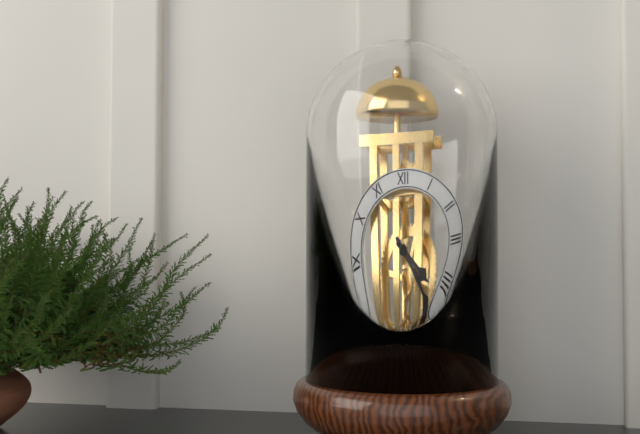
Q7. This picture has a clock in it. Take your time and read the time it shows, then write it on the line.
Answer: 4:24
